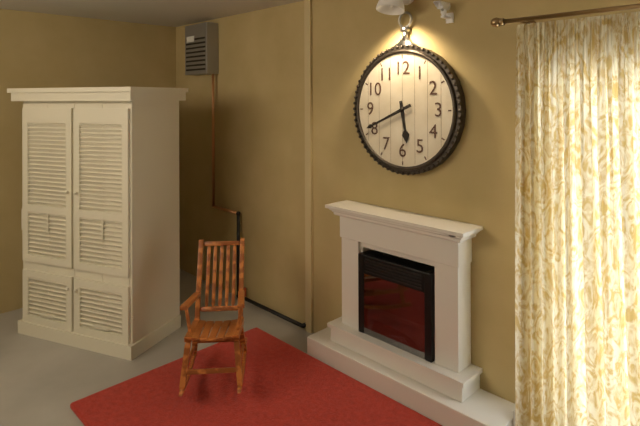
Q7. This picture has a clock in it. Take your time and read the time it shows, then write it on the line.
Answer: 5:41
